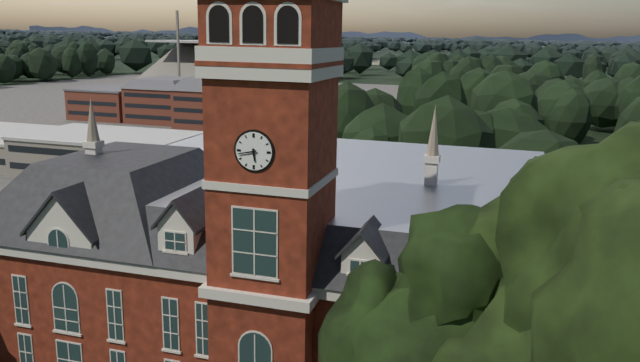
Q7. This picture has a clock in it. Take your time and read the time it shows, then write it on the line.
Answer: 5:43
